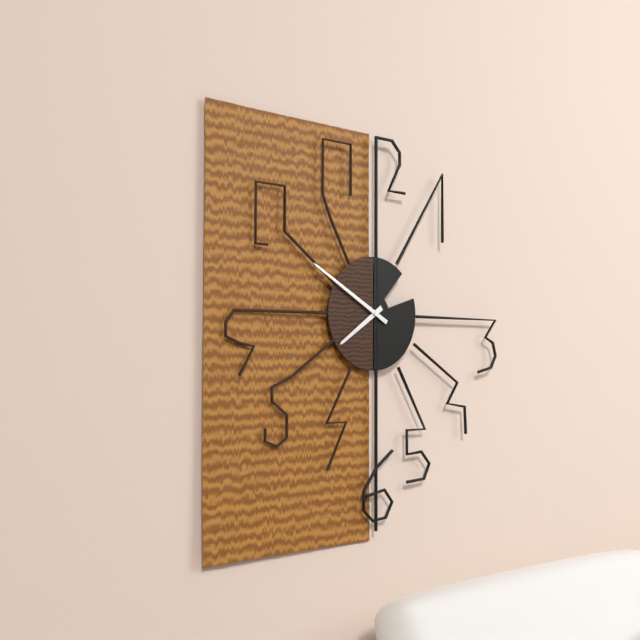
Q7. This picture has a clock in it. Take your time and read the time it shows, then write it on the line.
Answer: 7:50
